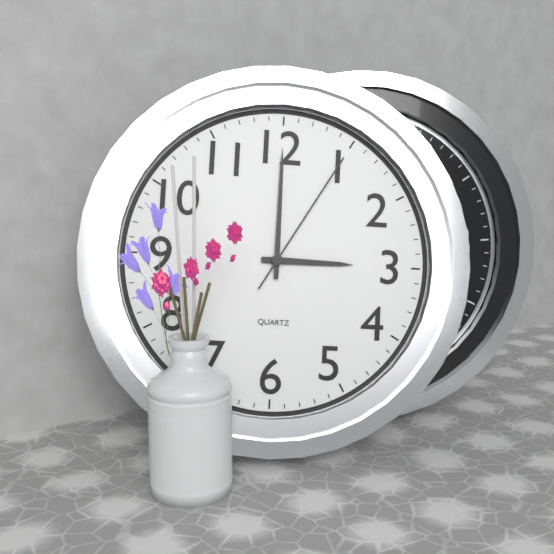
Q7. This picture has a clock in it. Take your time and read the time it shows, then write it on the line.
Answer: 3:00:05
